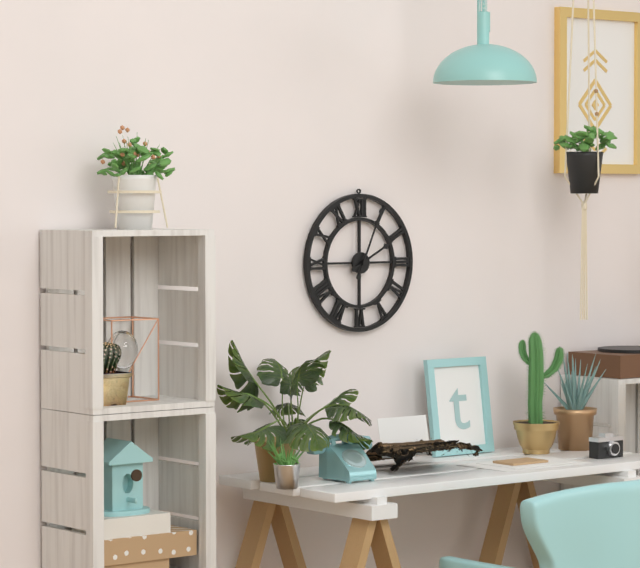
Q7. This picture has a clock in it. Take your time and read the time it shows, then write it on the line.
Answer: 2:04
